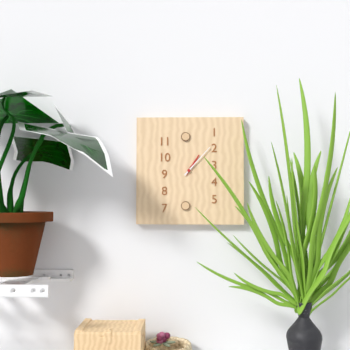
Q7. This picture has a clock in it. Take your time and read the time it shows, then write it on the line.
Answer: 1:07
